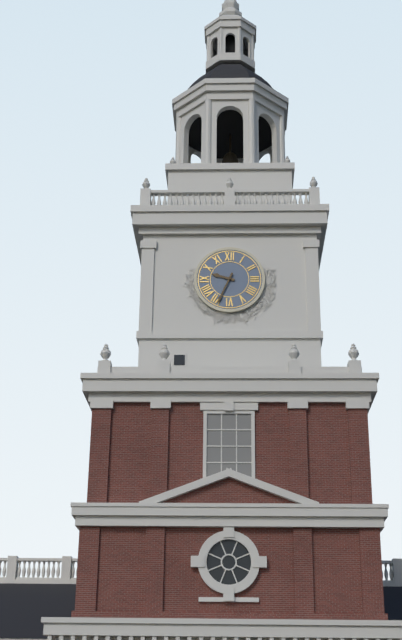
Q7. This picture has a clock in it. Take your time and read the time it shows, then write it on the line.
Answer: 9:34
